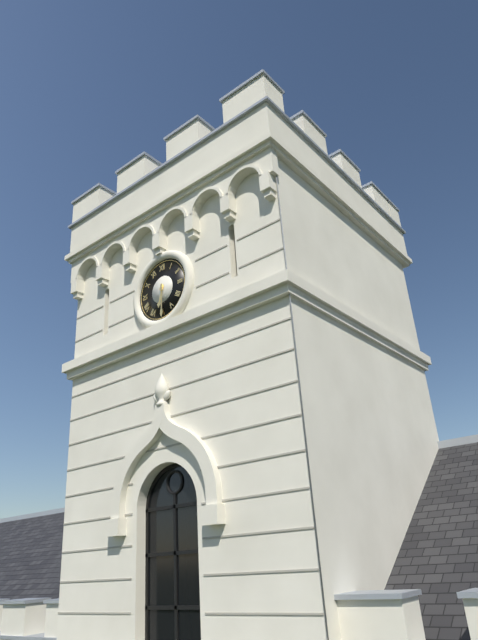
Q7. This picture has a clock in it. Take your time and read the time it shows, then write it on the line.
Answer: 6:30
